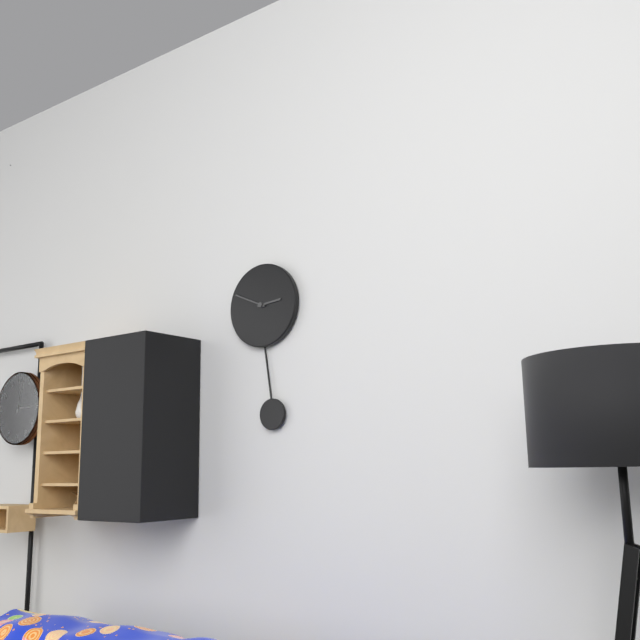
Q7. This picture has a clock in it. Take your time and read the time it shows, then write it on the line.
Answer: 2:49
